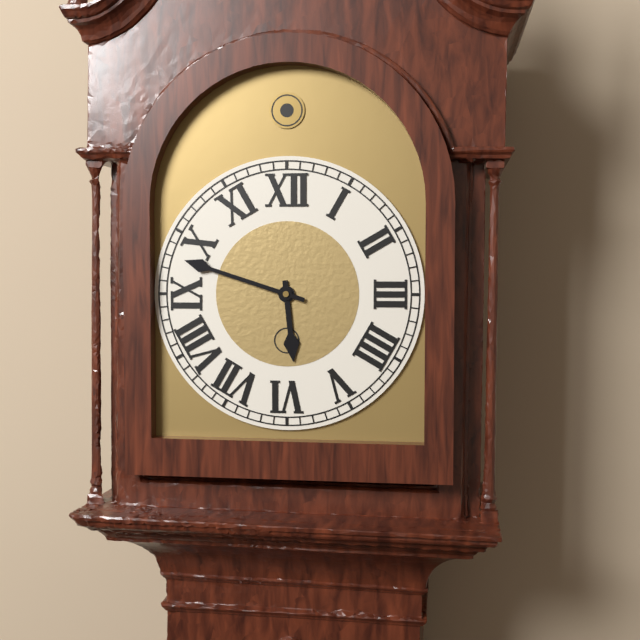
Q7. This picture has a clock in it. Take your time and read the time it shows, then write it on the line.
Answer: 5:48
